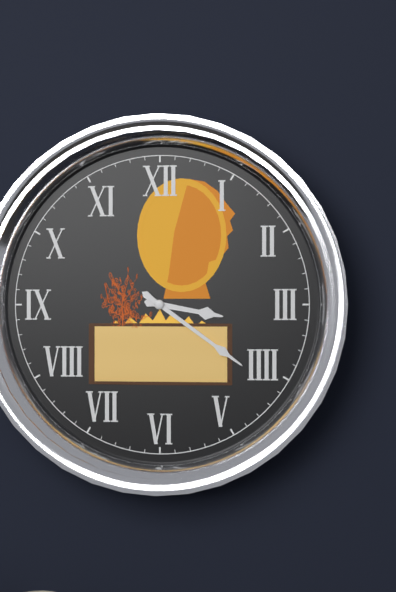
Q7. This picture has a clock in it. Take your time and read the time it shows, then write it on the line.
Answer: 3:21
